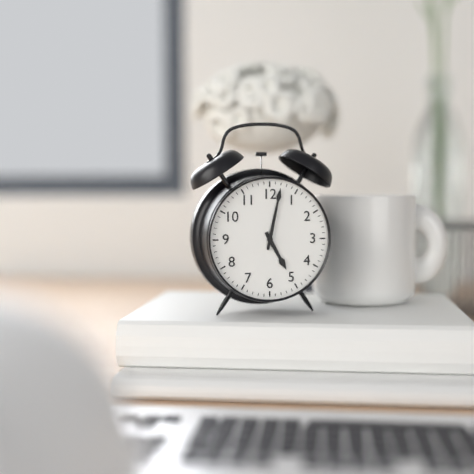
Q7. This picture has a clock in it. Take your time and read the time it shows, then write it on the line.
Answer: 5:02
